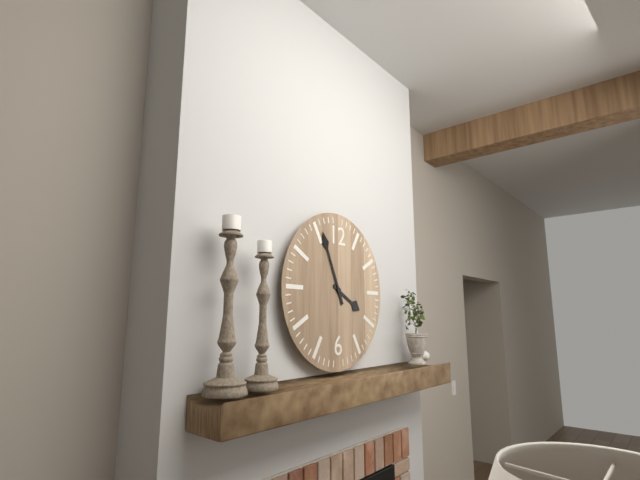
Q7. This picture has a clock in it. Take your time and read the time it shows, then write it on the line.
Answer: 3:56
